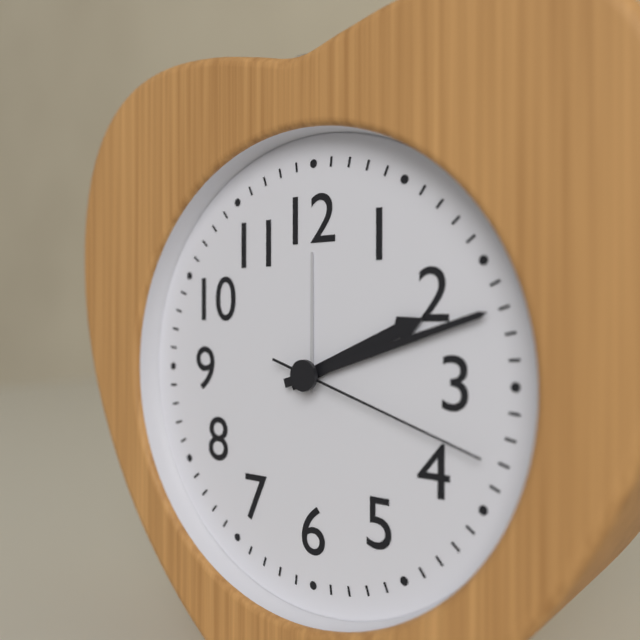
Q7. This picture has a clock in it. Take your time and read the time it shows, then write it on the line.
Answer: 2:12:18
